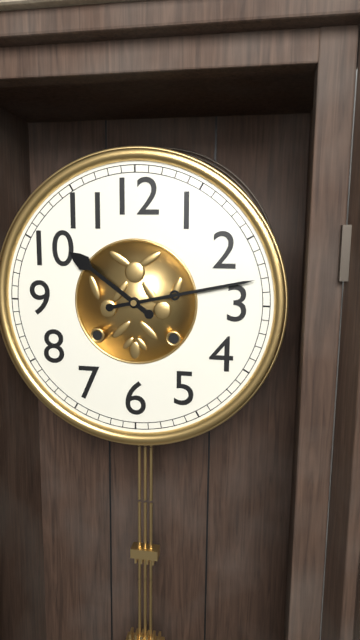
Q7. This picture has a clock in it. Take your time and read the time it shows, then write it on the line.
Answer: 10:13
